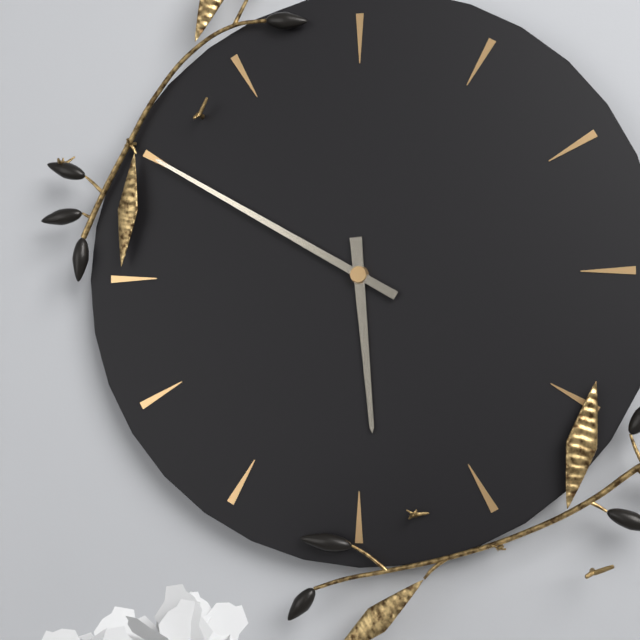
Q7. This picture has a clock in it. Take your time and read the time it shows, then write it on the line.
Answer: 5:50
